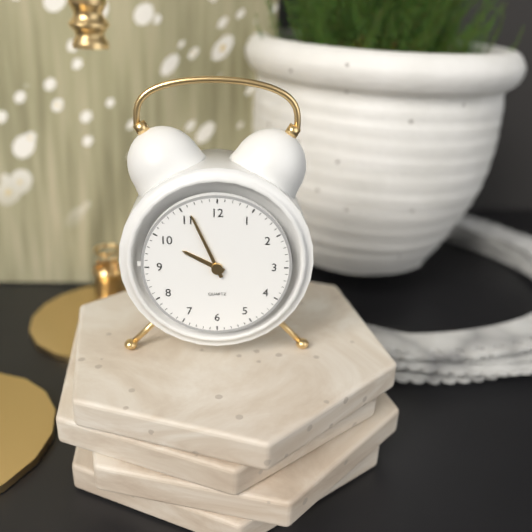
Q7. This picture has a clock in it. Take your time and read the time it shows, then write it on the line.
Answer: 9:56
